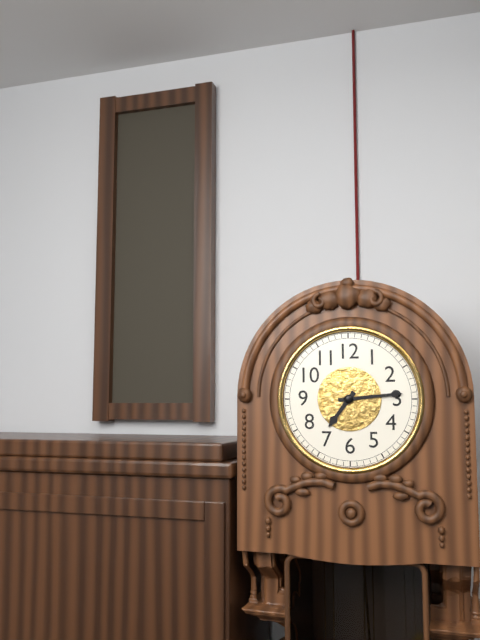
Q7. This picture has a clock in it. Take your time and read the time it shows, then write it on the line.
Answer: 7:14
